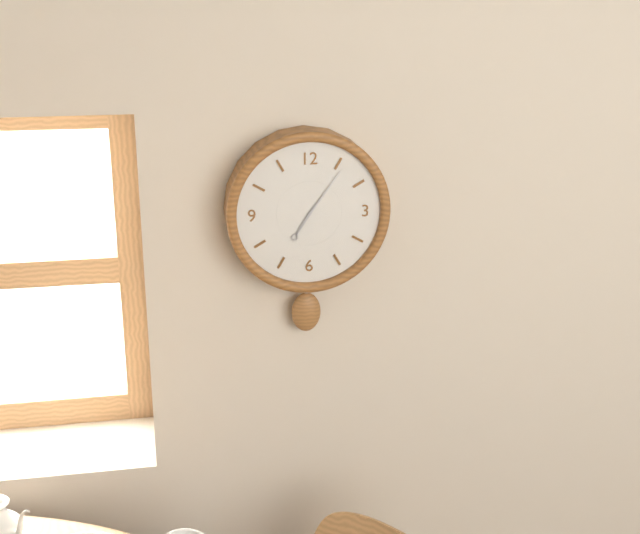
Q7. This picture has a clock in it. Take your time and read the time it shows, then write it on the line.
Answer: 7:06
